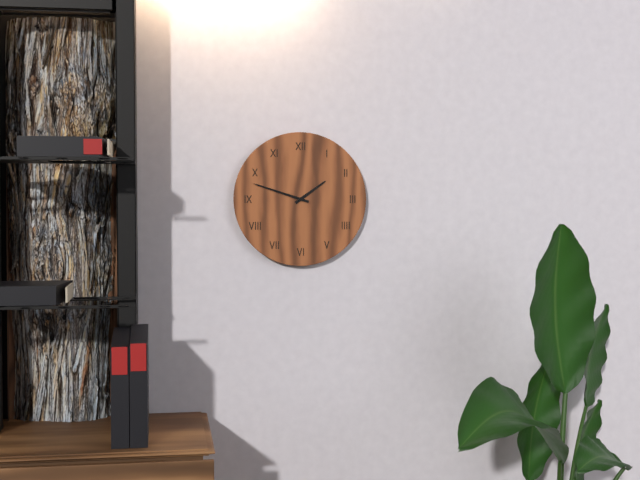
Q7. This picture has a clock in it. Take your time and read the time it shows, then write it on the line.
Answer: 1:48
